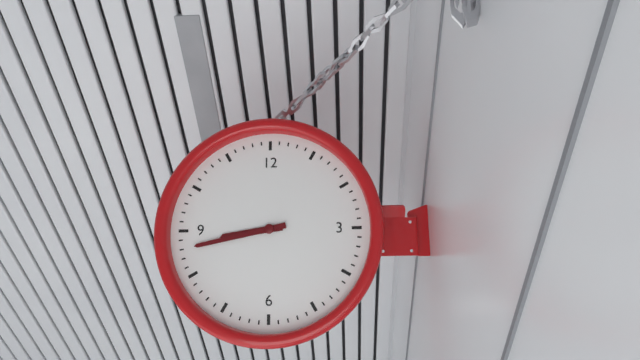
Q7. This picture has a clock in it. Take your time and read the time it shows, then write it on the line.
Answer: 8:43
